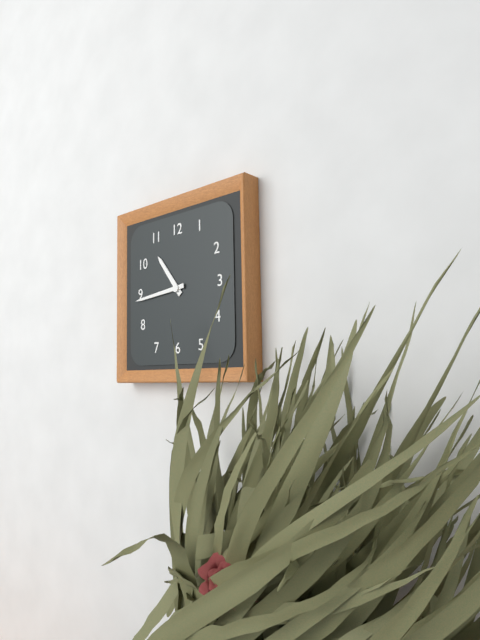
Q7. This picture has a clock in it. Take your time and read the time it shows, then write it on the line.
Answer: 10:44
